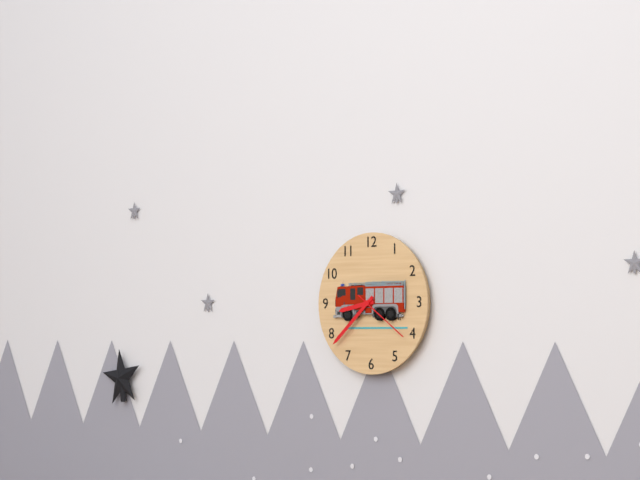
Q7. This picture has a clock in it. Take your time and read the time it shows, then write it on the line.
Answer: 8:38:21
